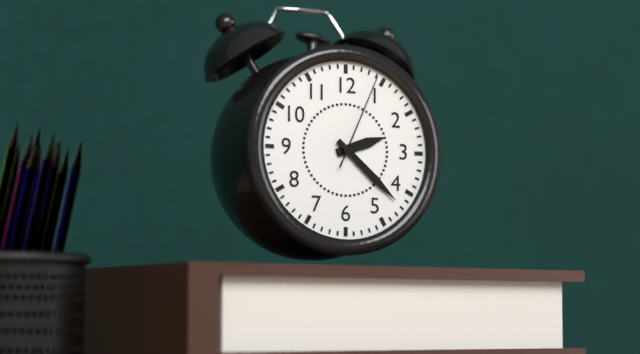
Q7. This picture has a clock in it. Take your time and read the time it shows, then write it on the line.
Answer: 2:22:04
